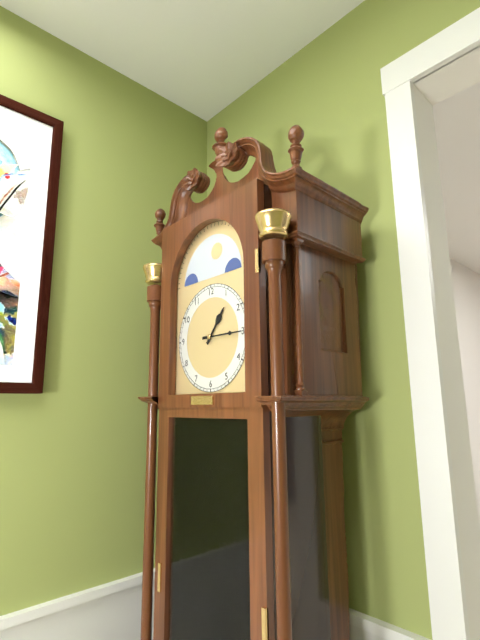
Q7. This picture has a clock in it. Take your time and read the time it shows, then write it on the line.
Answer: 1:15
